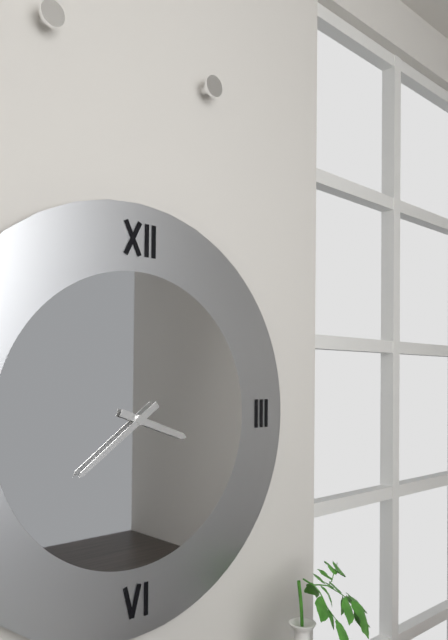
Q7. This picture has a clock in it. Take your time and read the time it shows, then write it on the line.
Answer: 3:39
